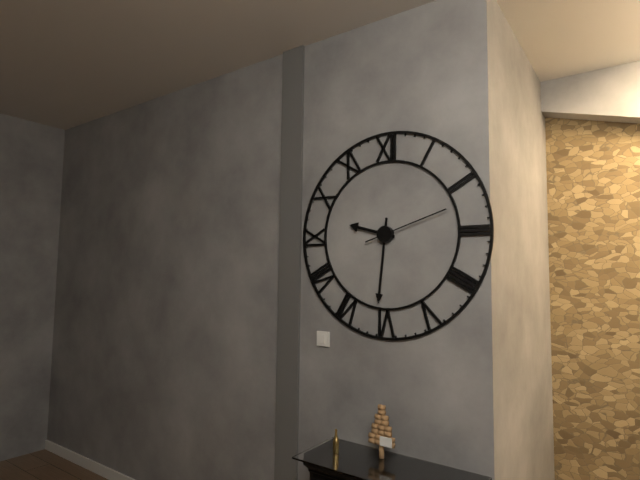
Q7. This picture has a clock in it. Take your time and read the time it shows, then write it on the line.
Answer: 9:31:12
